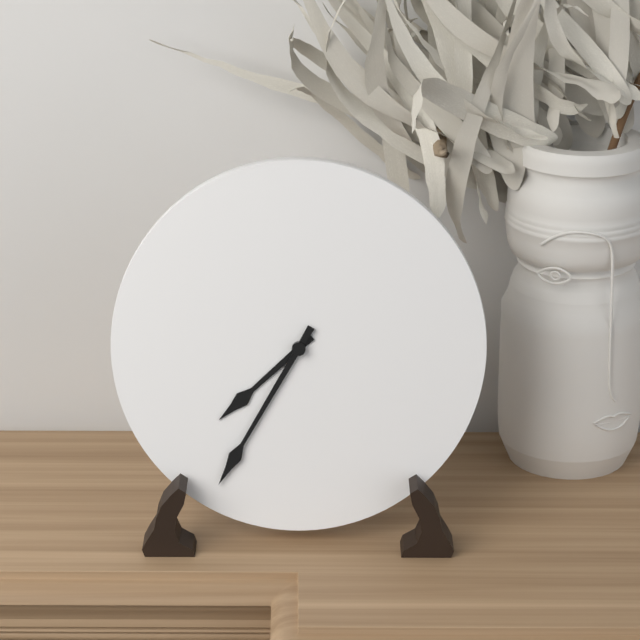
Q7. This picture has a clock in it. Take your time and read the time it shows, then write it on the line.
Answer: 7:35
